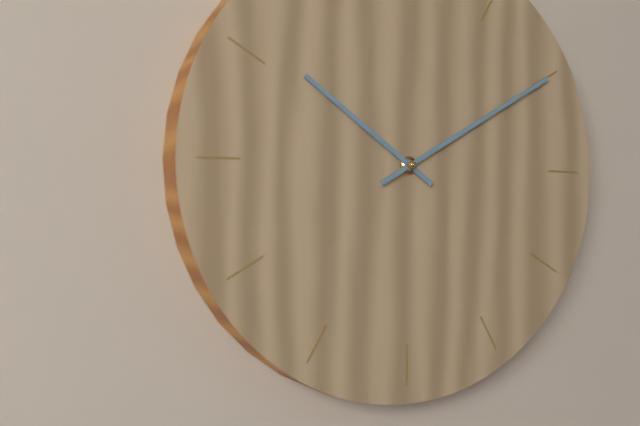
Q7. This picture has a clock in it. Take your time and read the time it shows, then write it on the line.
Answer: 10:10
